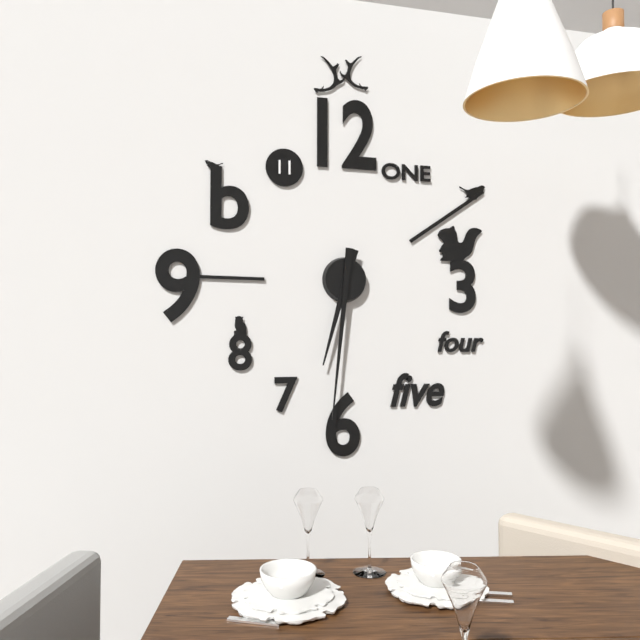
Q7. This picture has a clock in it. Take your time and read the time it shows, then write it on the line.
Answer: 6:31
